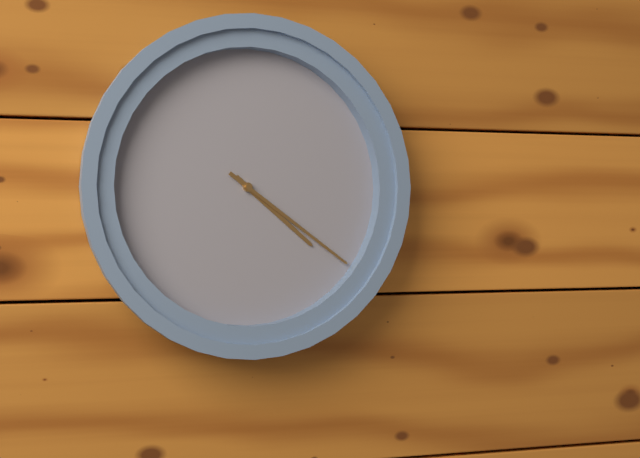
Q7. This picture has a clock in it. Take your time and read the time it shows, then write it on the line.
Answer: 4:21
